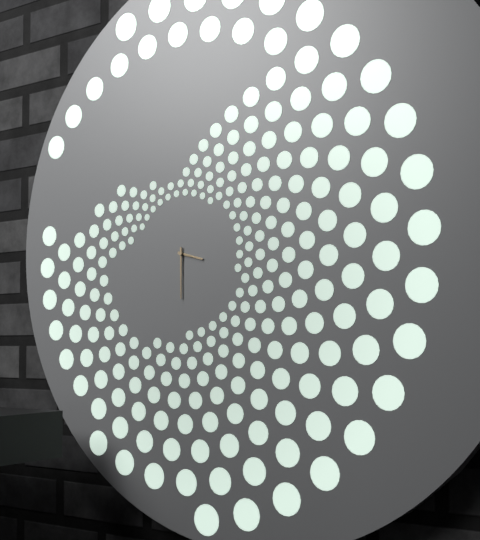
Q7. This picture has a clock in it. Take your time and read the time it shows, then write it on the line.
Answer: 3:30
